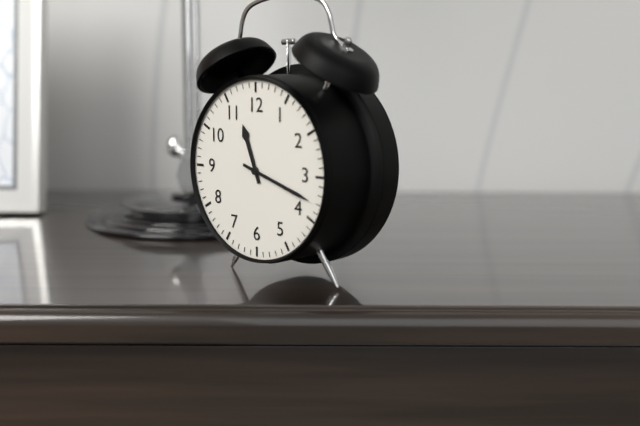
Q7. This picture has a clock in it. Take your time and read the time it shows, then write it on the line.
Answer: 11:18
